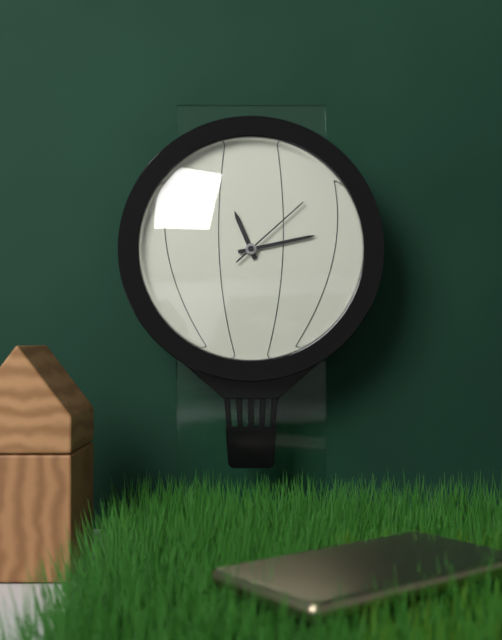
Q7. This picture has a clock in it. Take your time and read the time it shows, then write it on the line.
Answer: 11:13:08
